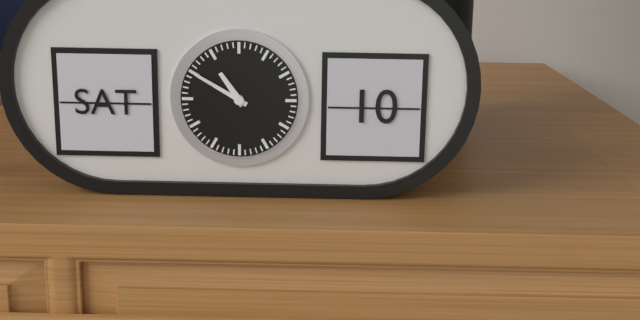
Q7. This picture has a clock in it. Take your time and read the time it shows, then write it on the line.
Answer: 10:50
